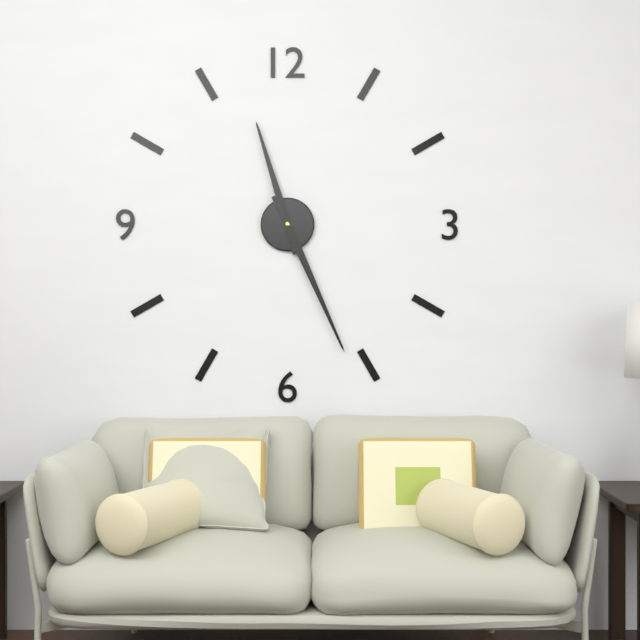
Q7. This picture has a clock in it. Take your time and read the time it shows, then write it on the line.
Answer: 11:26
